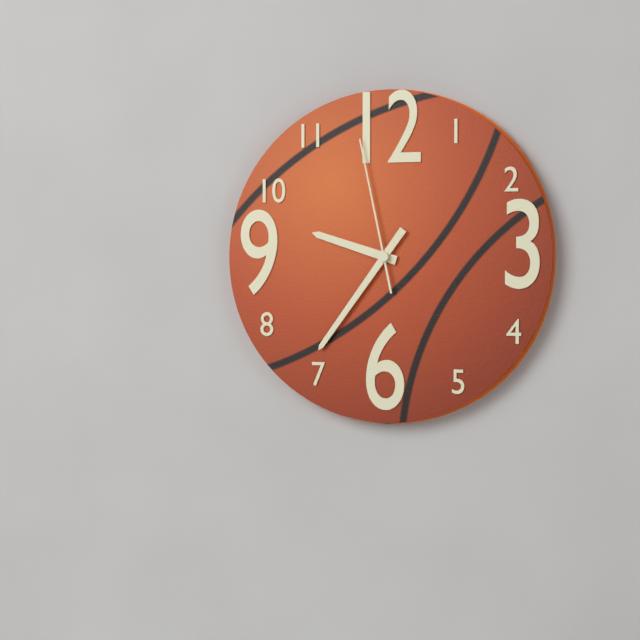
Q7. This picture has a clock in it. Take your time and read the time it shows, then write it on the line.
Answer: 9:36:58
